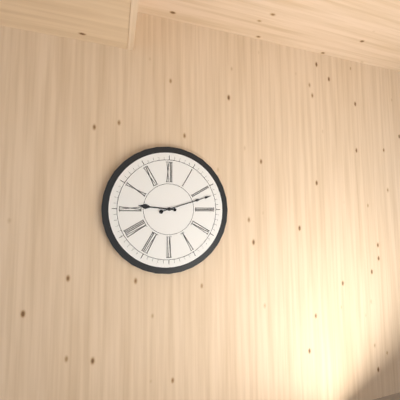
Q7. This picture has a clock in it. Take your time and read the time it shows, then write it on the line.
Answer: 9:12
